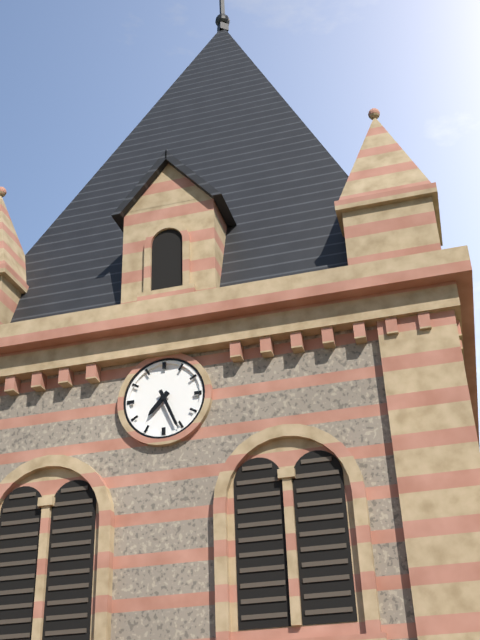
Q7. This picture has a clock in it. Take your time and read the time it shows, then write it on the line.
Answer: 7:26
